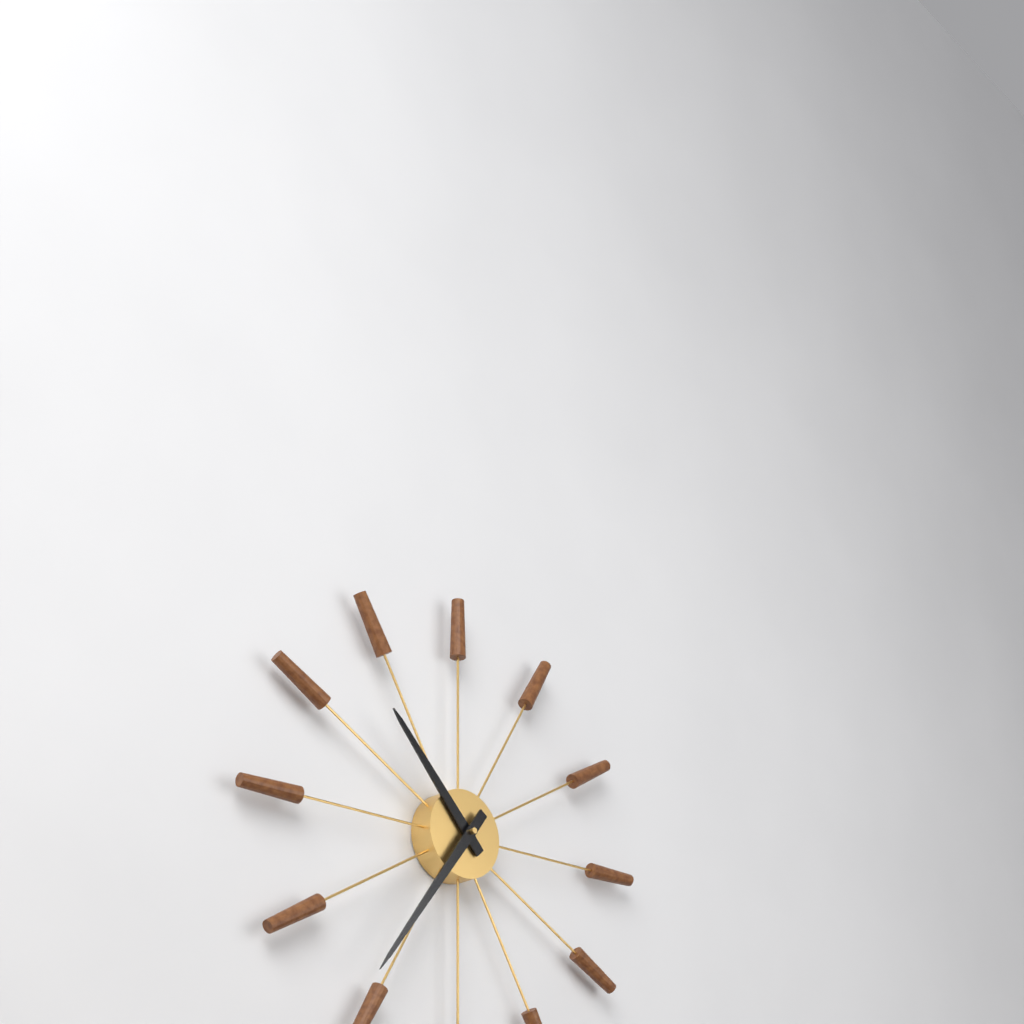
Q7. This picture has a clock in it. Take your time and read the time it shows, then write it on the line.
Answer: 10:36
